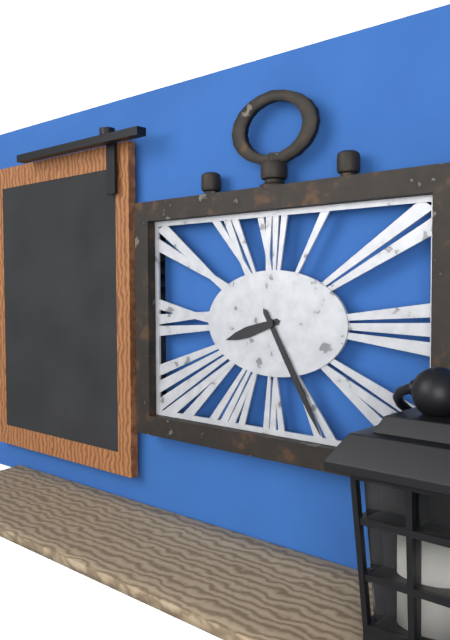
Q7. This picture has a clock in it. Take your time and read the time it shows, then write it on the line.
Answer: 8:25
